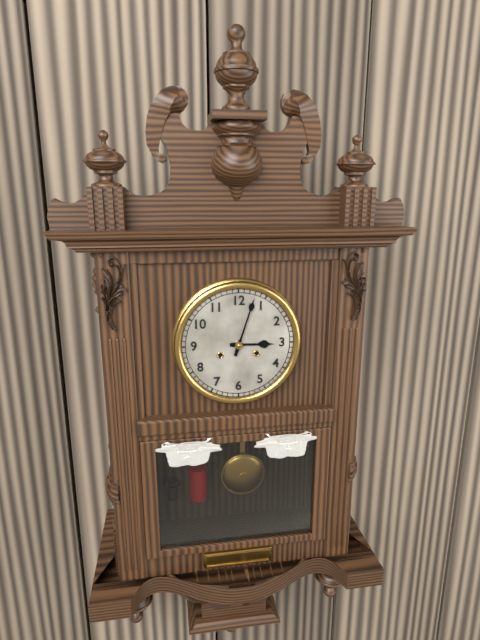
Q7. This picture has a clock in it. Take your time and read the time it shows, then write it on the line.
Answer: 3:03
